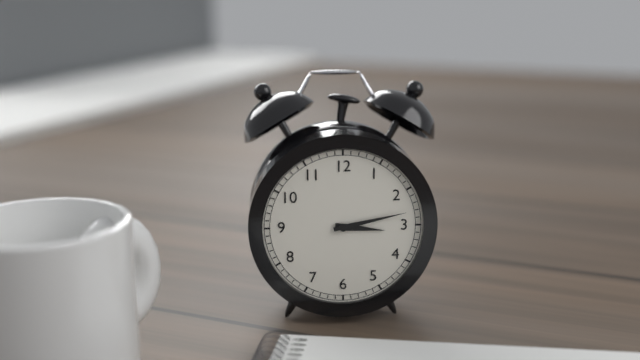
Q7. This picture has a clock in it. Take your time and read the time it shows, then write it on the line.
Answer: 3:13
